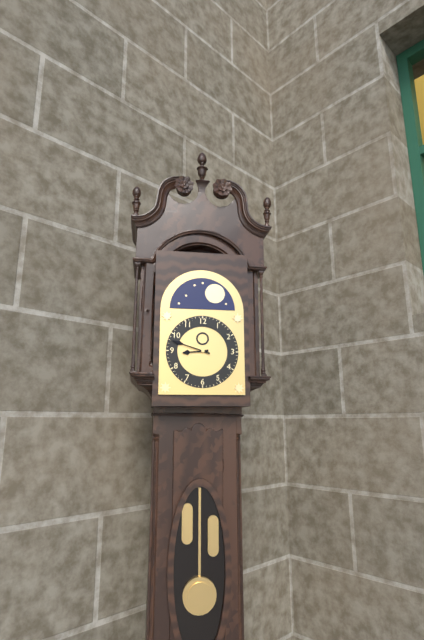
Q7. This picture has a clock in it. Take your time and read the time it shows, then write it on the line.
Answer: 8:48
